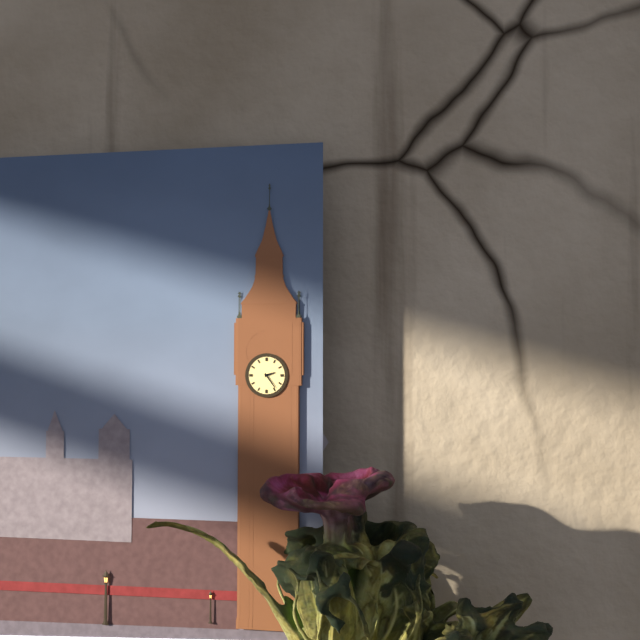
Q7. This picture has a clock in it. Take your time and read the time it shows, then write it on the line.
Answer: 2:24
